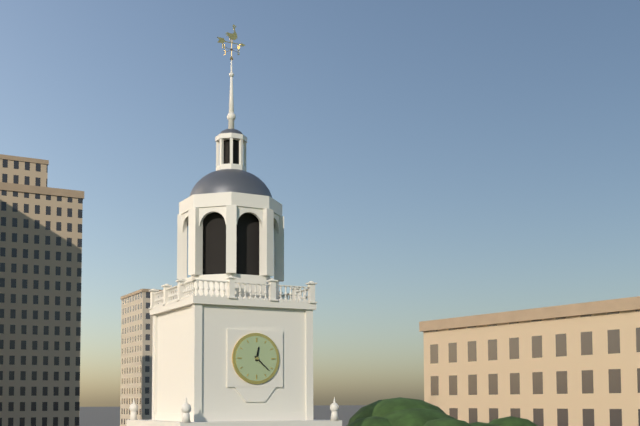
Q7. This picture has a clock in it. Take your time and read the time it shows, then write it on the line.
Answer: 12:22
